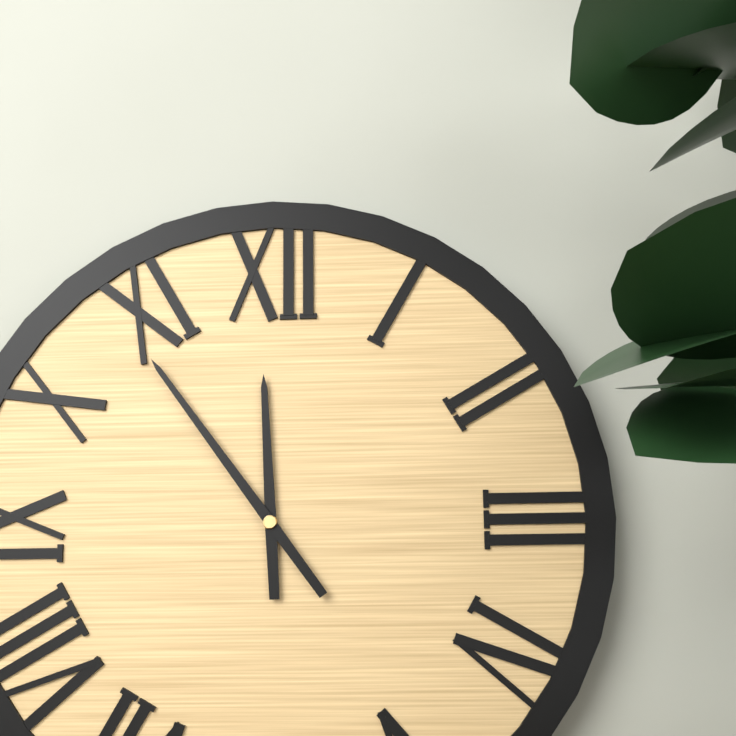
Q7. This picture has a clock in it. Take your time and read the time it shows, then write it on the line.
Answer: 11:54
